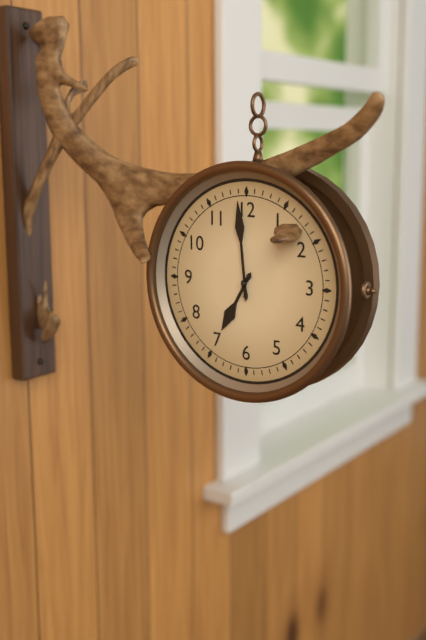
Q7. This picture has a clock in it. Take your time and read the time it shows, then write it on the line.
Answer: 6:59
